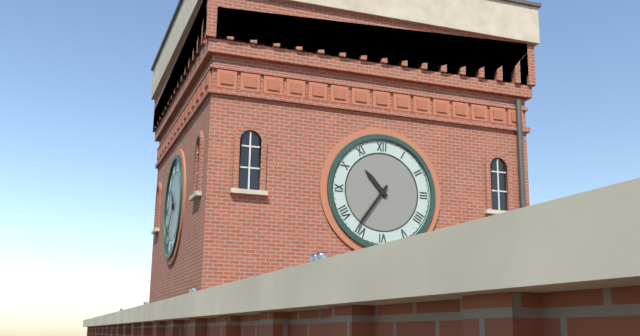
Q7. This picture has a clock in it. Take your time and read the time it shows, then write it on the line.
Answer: 10:36
